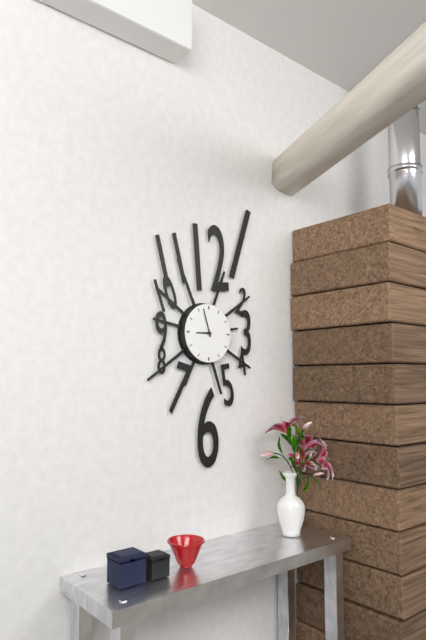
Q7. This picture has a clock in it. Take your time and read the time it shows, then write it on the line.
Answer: 8:57
